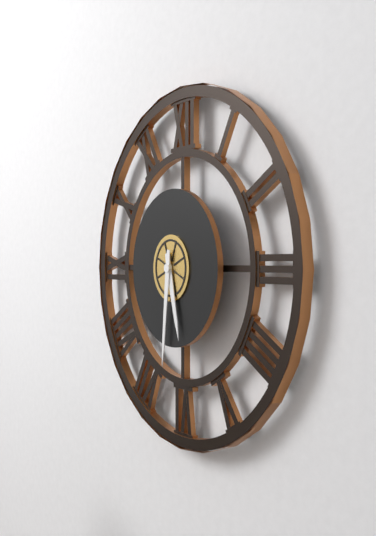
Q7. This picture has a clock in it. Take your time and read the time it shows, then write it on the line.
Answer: 5:31
